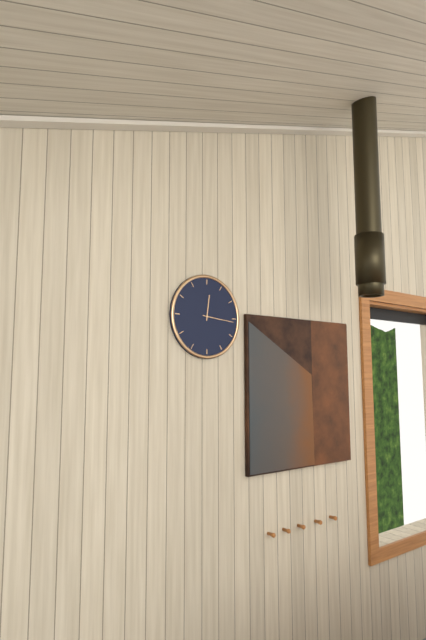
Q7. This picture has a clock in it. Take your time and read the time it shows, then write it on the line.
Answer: 12:16
